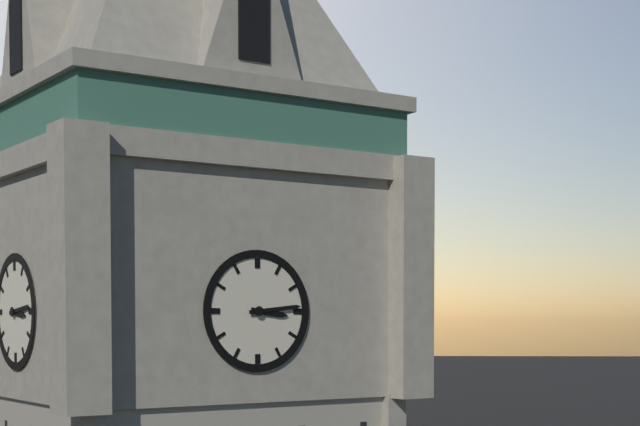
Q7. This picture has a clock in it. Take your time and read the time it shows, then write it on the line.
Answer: 3:14
